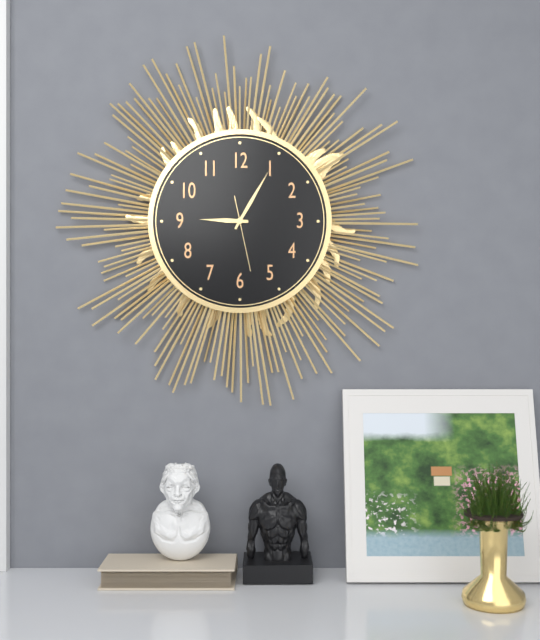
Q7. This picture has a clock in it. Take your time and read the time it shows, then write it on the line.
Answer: 9:05:28
